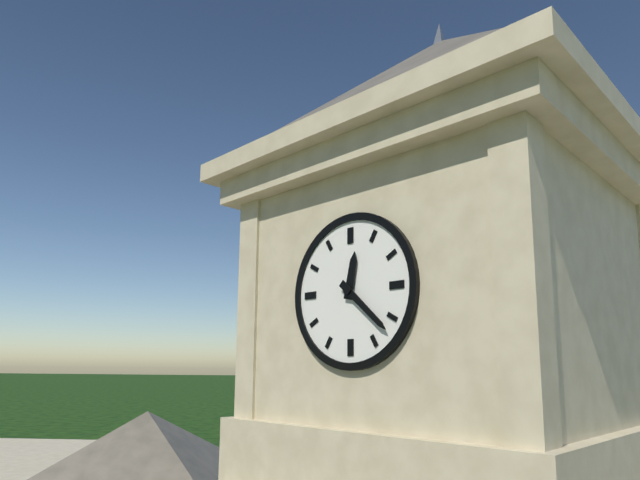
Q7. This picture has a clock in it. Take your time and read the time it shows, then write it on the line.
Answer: 12:22
